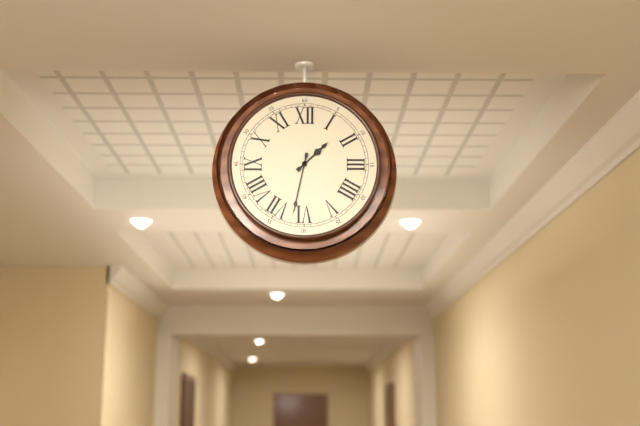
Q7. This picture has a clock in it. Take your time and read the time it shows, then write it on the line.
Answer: 1:32
